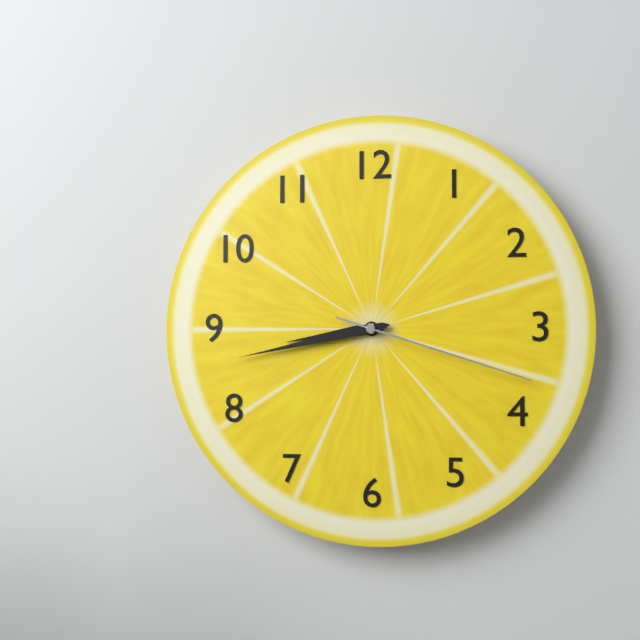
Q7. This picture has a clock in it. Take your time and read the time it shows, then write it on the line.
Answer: 8:43:18
